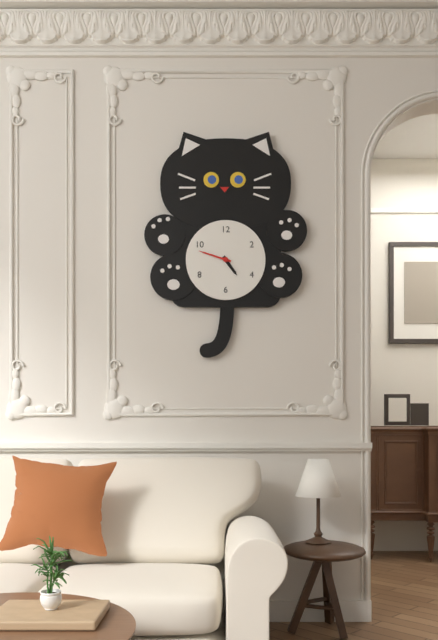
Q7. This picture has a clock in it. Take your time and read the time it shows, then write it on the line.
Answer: 4:48
